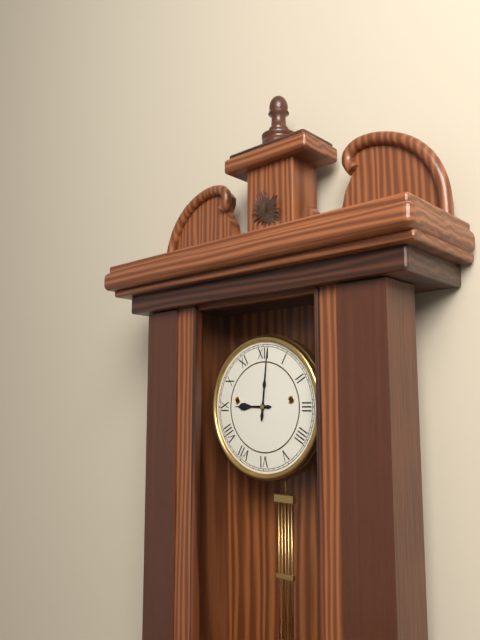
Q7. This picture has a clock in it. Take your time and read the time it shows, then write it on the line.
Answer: 9:01
